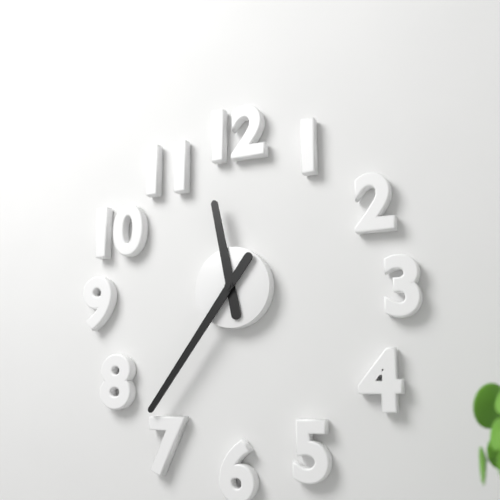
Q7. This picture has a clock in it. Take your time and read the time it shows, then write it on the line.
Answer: 11:36
